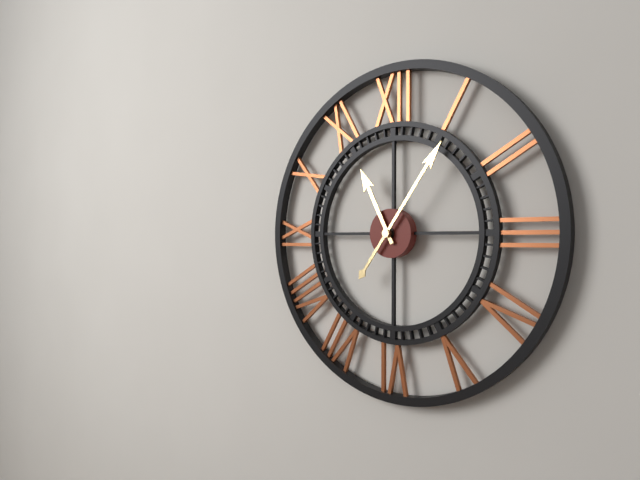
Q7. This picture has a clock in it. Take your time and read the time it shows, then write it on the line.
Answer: 11:06
